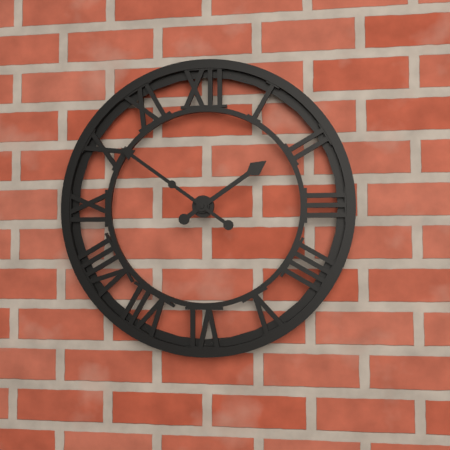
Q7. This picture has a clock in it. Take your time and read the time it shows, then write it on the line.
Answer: 1:51
